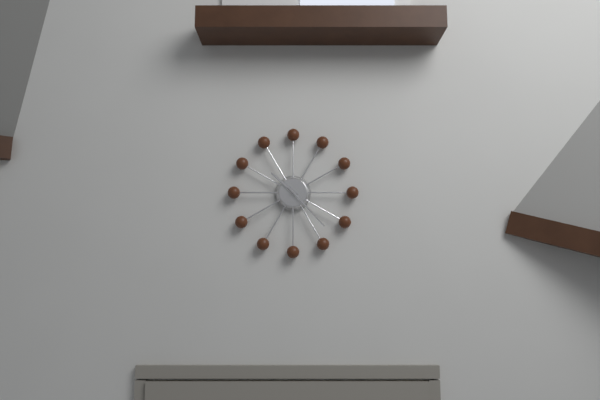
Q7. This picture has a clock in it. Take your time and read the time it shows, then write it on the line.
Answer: 10:23
